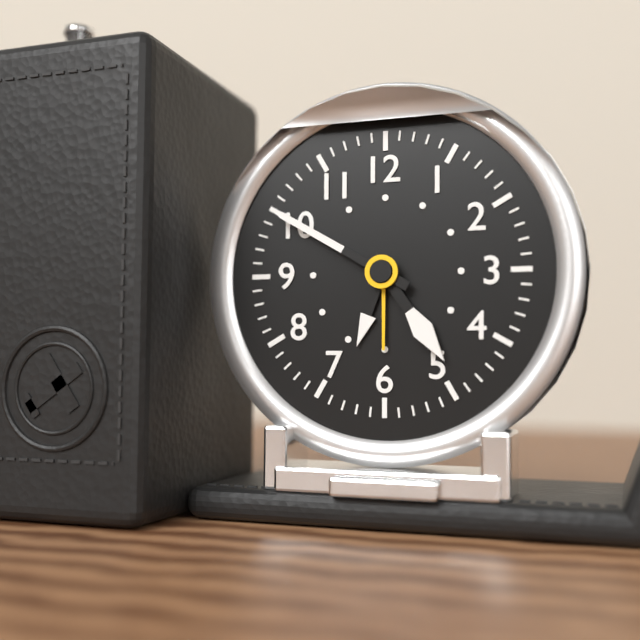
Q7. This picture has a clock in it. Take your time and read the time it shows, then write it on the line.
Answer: 4:50
